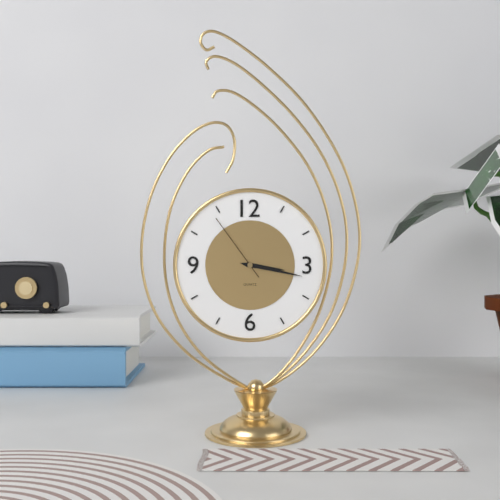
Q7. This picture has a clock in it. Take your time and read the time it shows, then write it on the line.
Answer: 3:17:54
